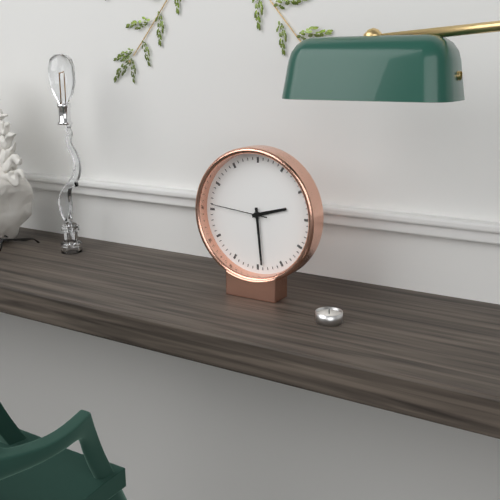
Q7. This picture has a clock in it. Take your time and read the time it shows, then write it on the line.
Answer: 2:29:46
